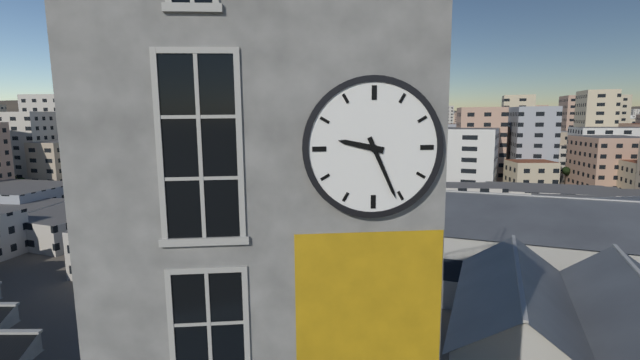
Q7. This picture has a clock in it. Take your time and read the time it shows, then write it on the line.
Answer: 9:26
